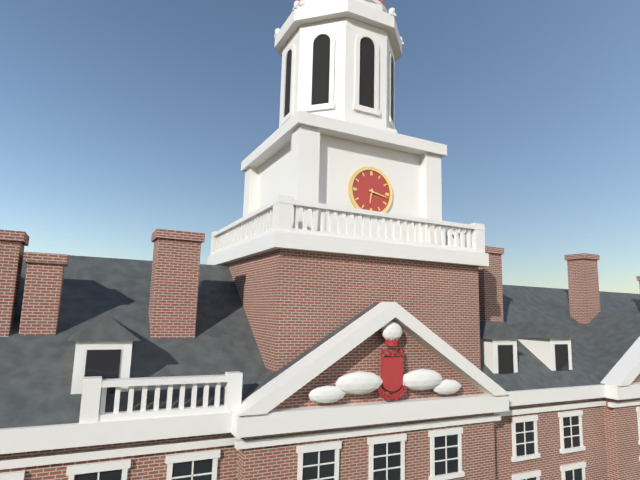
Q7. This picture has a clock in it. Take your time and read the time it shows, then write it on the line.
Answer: 6:17
